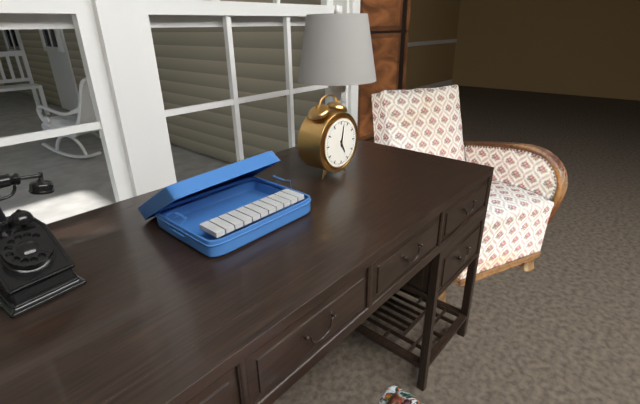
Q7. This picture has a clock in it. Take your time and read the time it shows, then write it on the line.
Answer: 5:02
